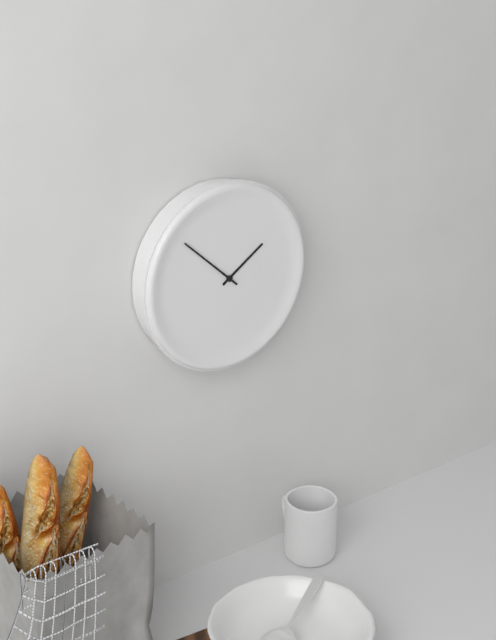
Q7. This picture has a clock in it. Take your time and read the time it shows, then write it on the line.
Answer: 1:52
